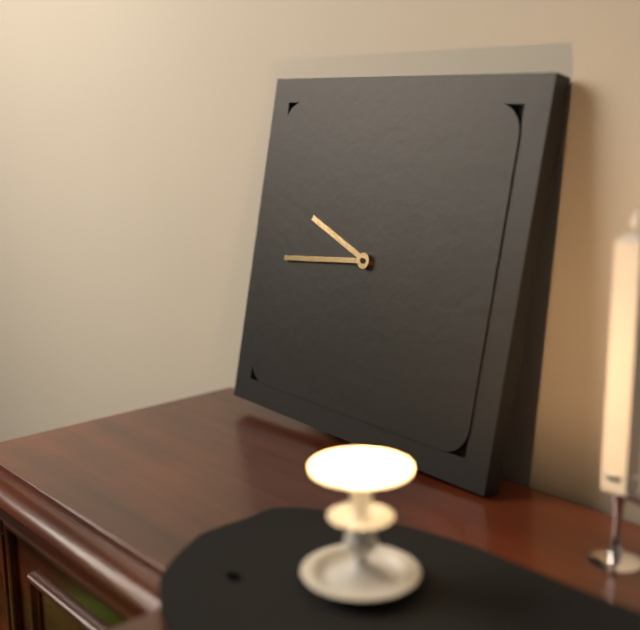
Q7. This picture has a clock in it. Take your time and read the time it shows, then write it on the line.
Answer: 9:44
